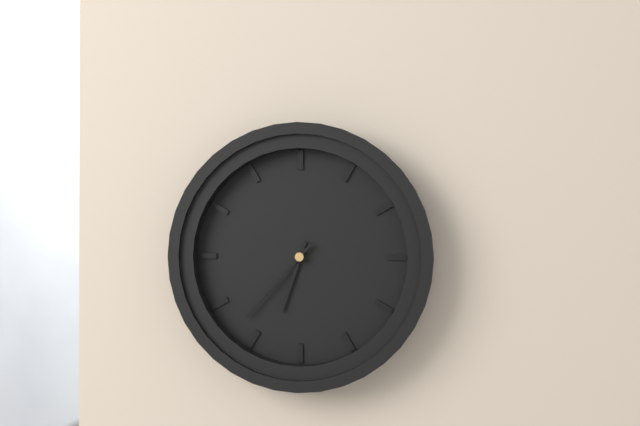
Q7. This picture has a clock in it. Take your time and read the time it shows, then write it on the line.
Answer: 6:37
